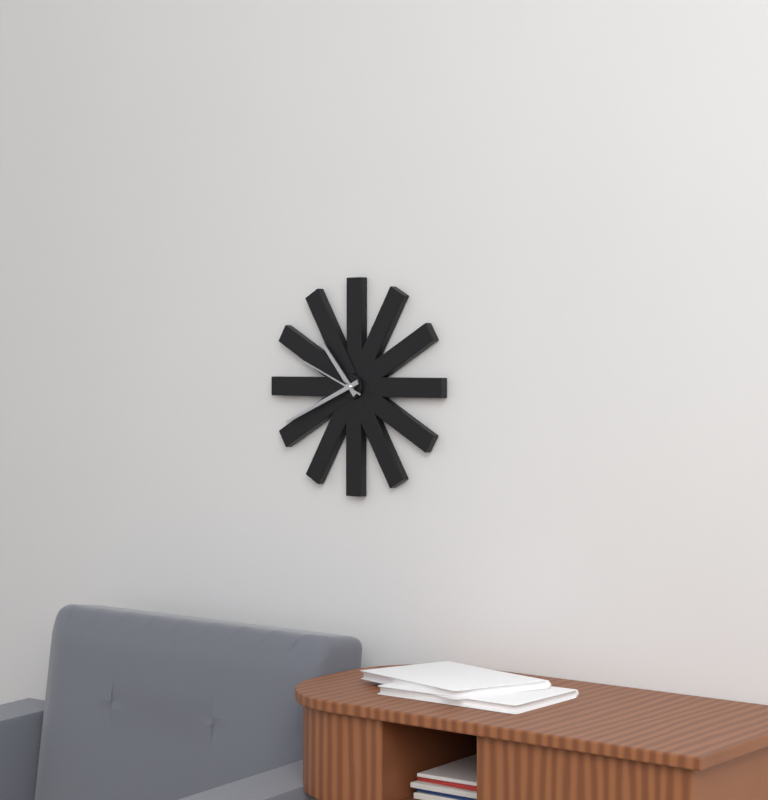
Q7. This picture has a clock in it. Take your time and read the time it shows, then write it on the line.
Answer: 10:41:49
